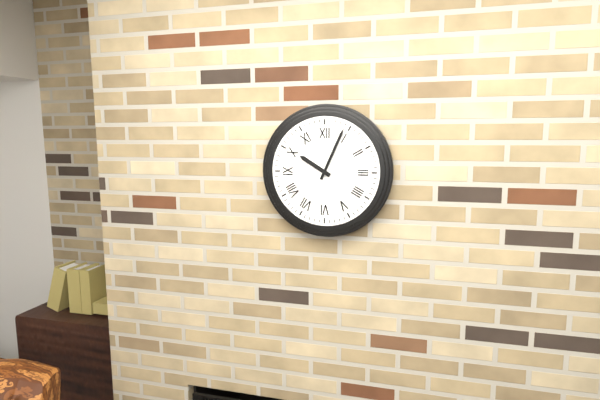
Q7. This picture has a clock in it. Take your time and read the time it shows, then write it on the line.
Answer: 10:04
